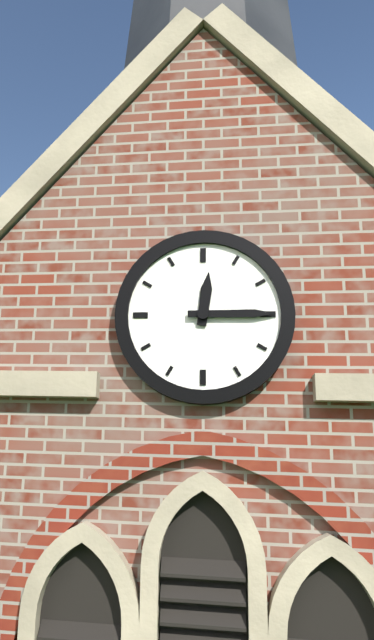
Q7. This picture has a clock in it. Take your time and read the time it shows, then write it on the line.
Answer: 12:15
